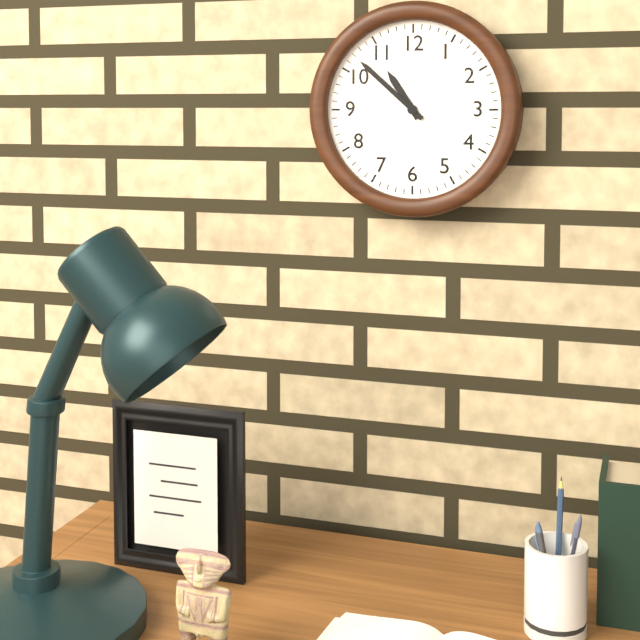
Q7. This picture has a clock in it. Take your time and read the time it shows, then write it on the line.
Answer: 10:52
